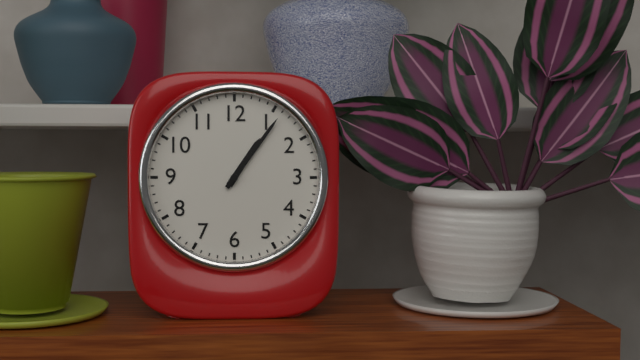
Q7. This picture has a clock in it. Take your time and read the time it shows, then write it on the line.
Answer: 1:06
